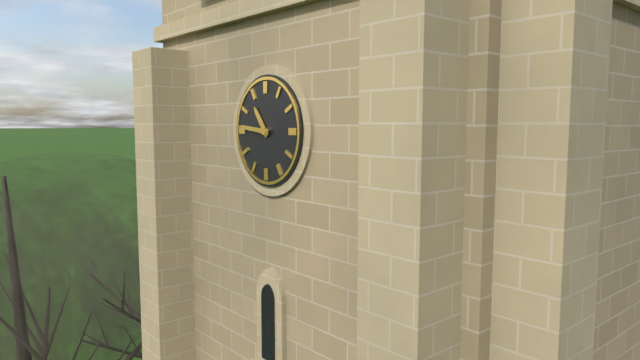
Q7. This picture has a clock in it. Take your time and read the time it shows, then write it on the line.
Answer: 10:46
